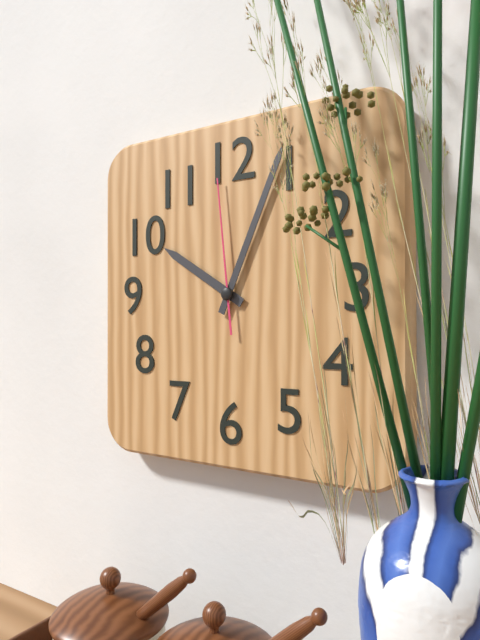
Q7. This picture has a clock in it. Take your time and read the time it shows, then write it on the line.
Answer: 10:04:59
